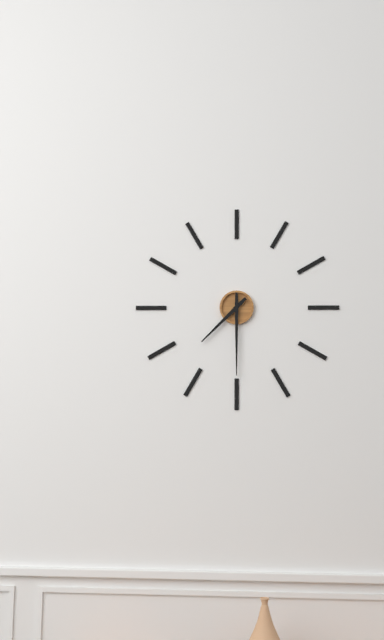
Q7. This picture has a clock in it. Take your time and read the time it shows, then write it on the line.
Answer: 7:30
